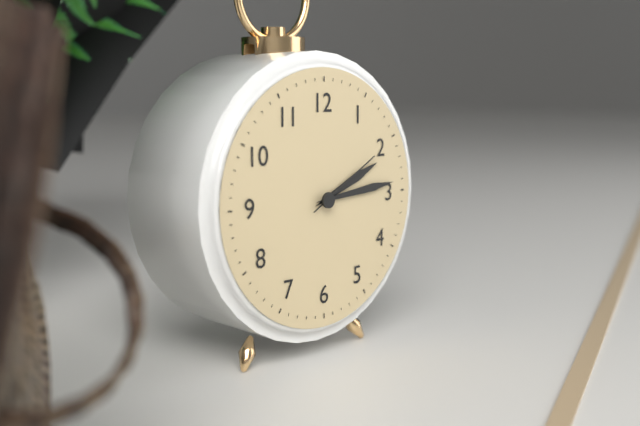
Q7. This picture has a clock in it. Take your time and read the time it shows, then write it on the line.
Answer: 2:14:10
